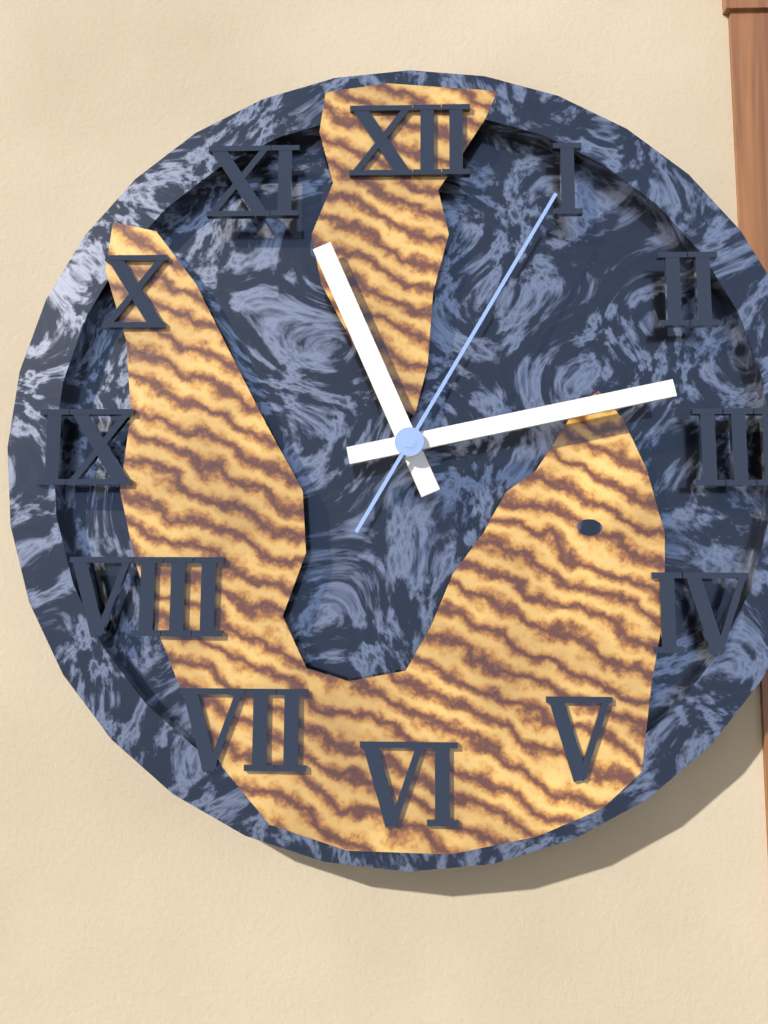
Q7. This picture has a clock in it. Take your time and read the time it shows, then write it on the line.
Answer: 11:13:05
